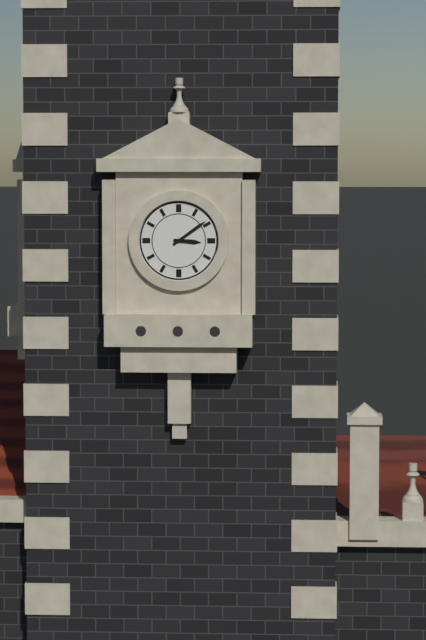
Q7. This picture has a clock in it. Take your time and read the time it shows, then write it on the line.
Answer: 3:09
